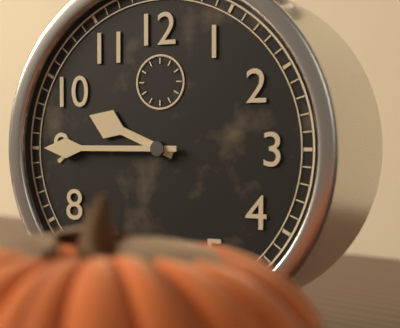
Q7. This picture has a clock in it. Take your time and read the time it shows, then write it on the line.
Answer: 9:45
